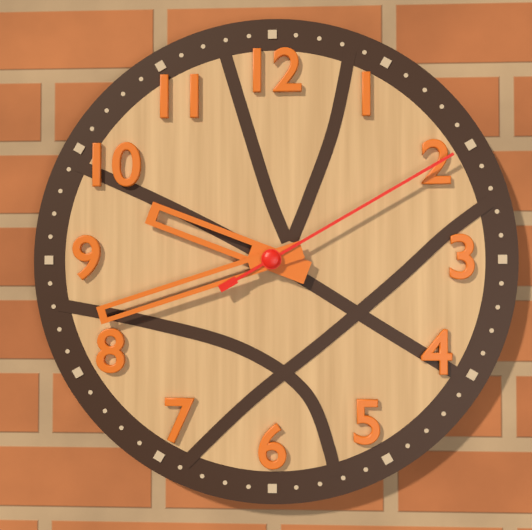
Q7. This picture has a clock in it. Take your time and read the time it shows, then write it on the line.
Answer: 9:42:10
